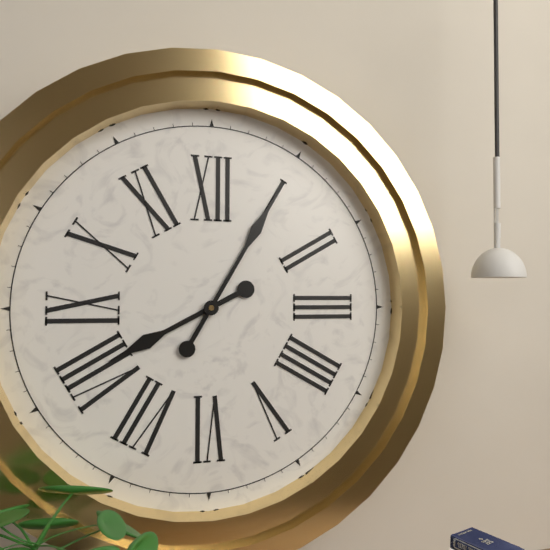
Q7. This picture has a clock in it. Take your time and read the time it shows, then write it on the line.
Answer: 8:05
